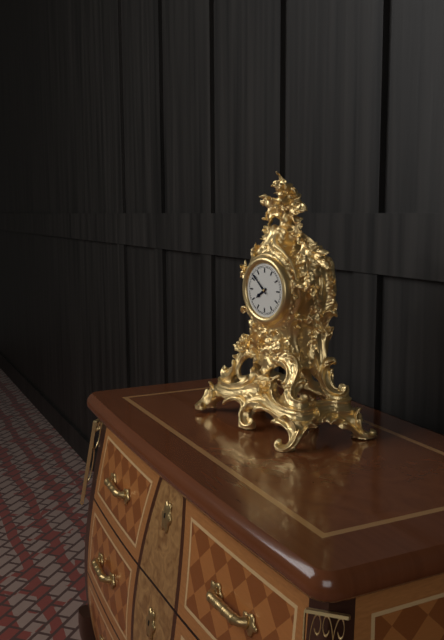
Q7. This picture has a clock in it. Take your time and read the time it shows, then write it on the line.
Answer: 7:52
